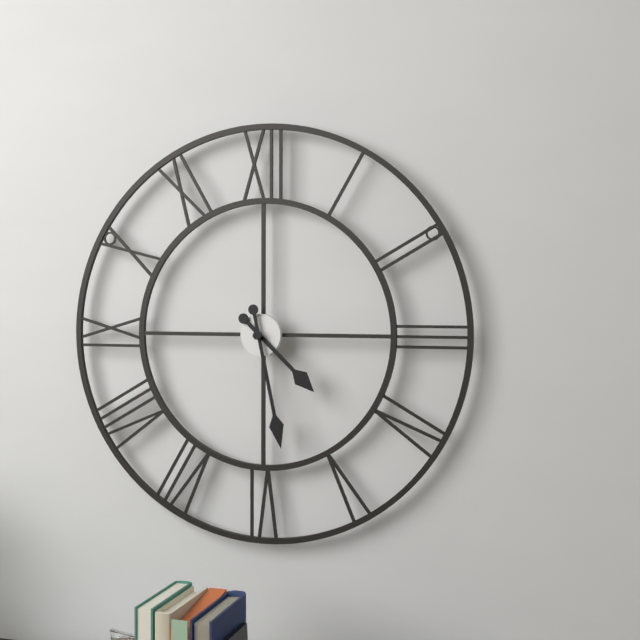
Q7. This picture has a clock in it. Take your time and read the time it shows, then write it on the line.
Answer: 4:28
